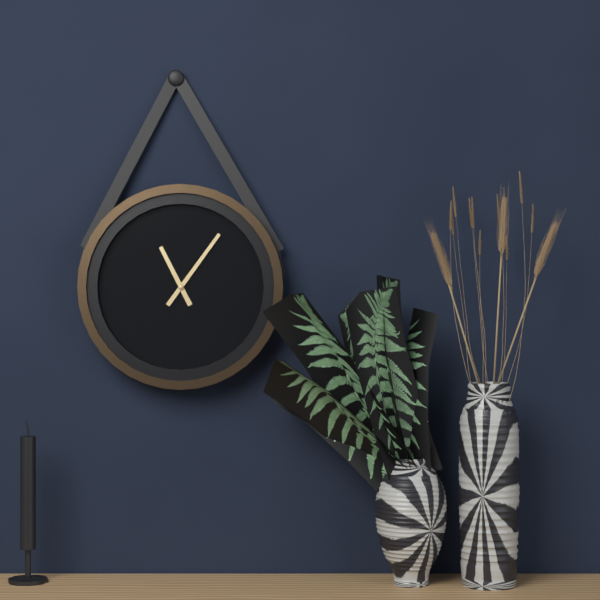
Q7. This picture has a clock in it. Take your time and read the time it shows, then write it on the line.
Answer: 11:06
